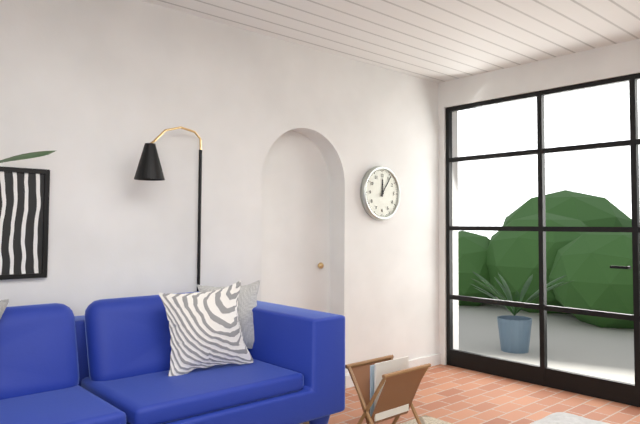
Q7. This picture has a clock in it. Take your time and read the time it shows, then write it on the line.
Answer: 12:06
